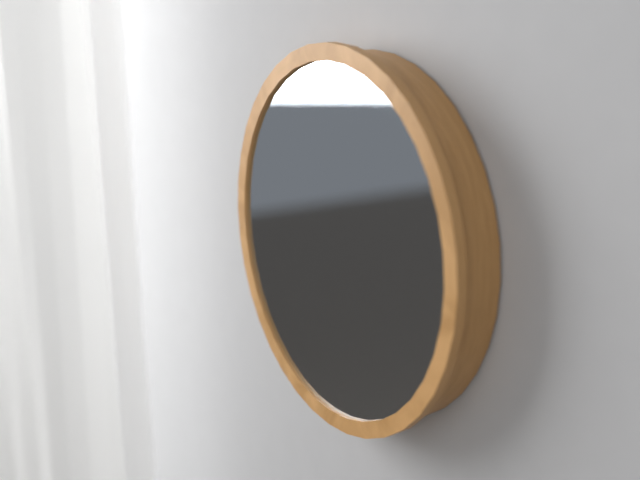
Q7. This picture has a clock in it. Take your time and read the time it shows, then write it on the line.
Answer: 11:44
